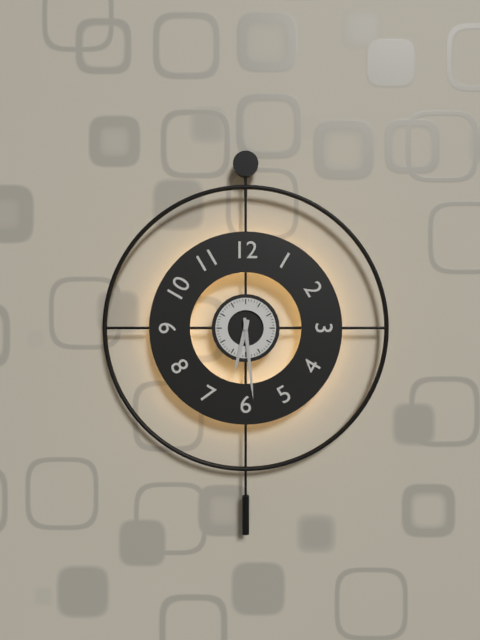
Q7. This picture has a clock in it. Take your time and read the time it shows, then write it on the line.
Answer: 6:29
